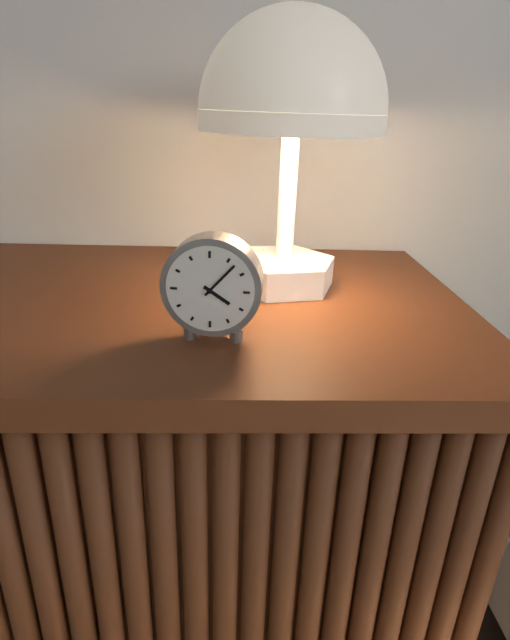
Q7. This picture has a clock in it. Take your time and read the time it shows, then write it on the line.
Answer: 4:07
